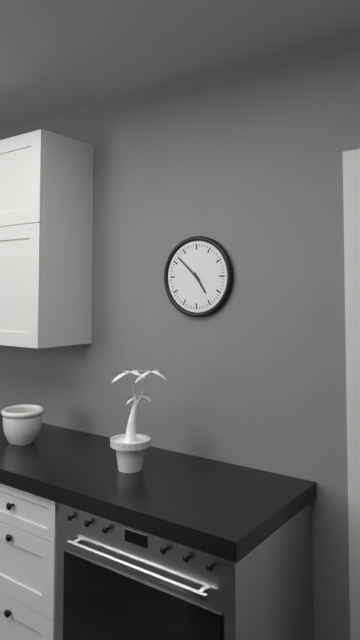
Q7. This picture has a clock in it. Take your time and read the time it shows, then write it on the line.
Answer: 4:52
